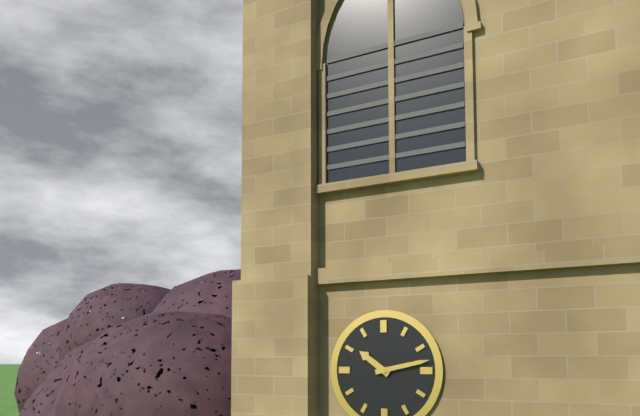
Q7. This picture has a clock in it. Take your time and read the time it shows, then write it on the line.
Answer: 10:13
